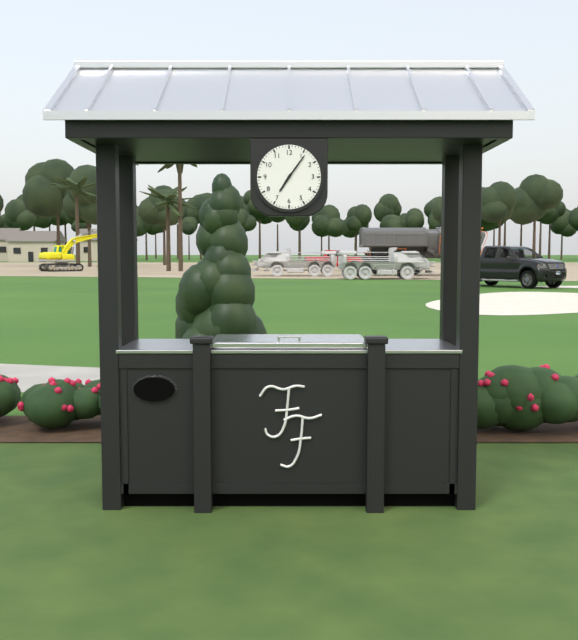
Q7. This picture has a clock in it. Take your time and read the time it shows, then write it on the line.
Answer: 7:06
